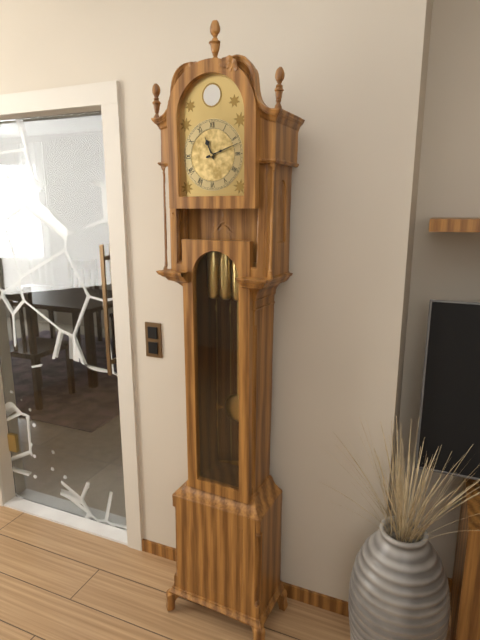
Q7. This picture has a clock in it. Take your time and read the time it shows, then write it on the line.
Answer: 11:12
